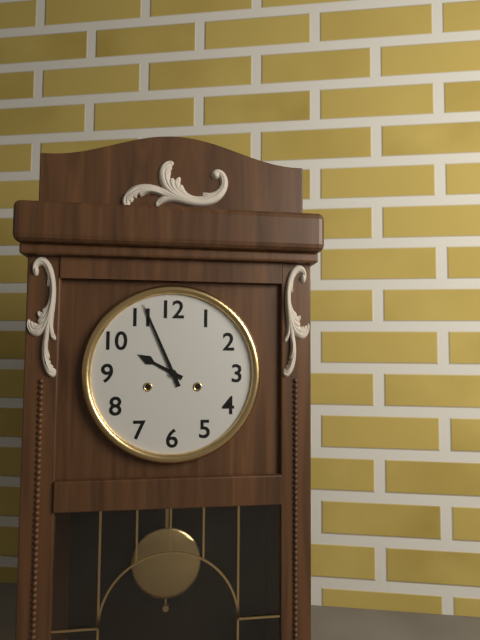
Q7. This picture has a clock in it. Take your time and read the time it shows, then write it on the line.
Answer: 9:56
